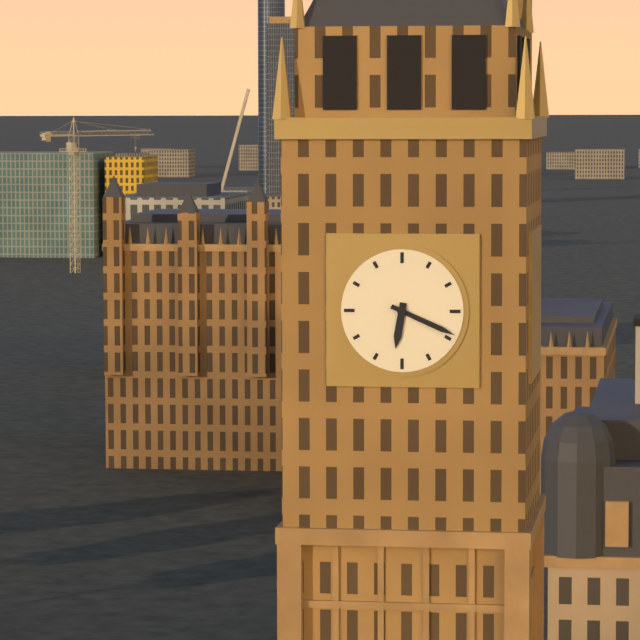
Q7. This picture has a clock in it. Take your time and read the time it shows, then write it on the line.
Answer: 6:19
